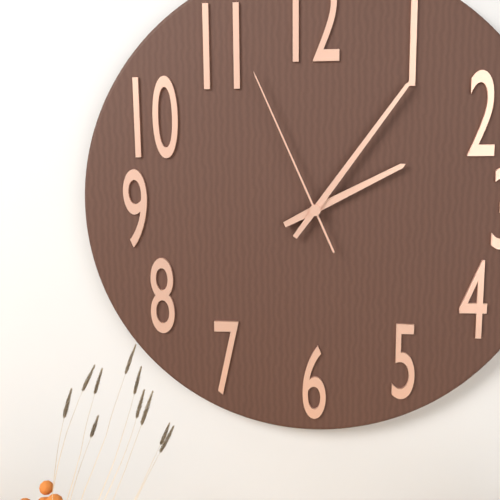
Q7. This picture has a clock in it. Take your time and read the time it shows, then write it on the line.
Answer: 2:06:56
